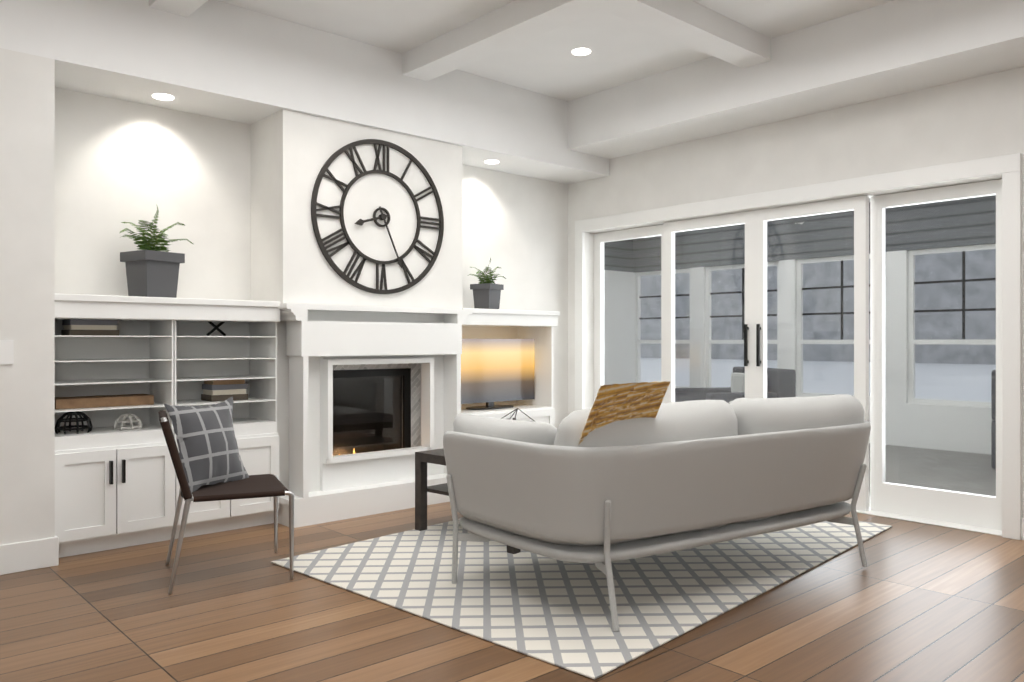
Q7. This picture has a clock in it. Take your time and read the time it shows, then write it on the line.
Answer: 8:26
